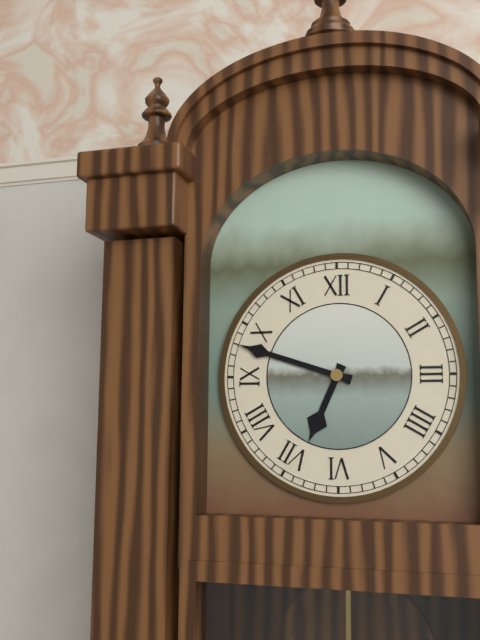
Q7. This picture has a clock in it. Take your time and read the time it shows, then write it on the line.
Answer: 6:48
